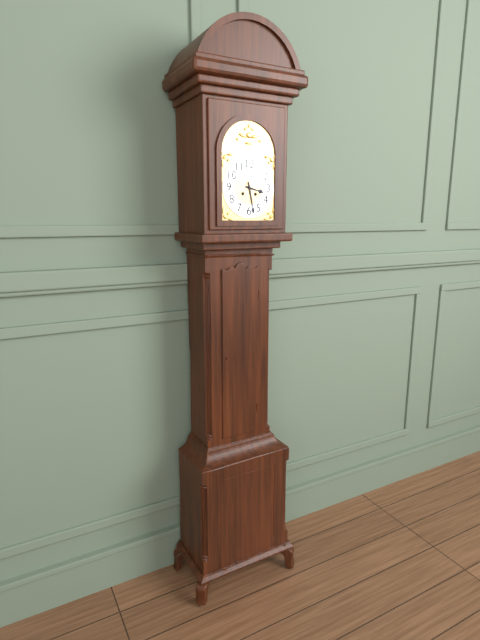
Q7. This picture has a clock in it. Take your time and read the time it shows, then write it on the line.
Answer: 3:28
